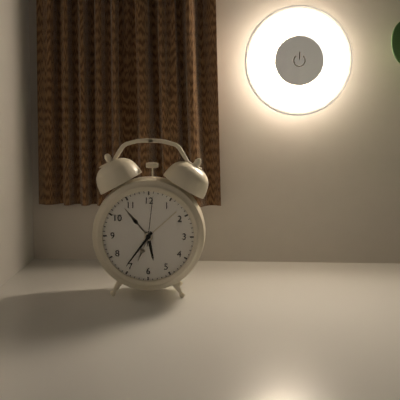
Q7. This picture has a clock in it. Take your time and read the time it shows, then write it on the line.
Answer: 5:36:01
